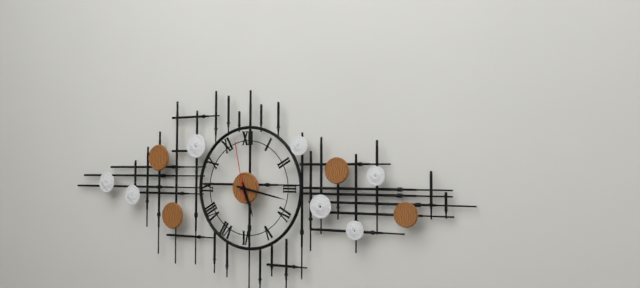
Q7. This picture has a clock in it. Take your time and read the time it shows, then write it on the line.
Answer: 5:17:58
